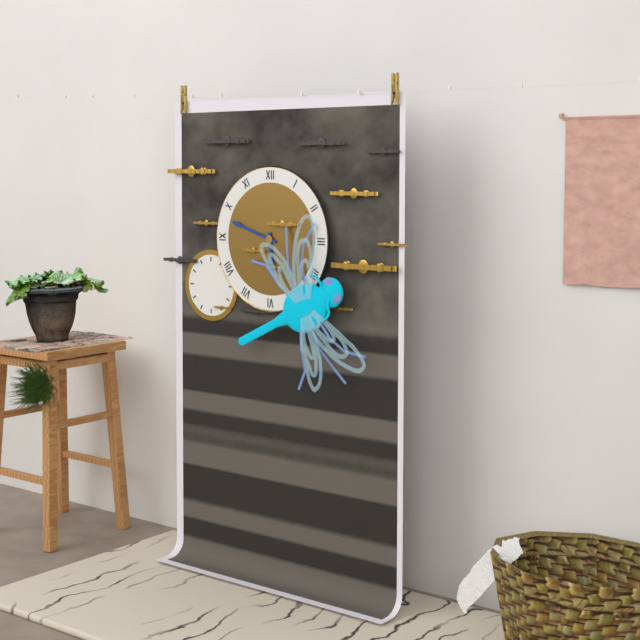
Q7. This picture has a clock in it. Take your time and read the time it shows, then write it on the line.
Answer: 5:48
